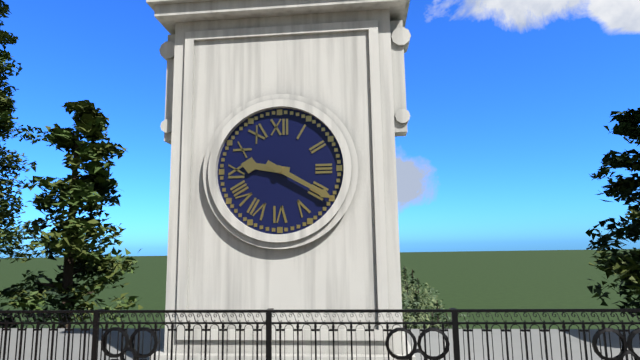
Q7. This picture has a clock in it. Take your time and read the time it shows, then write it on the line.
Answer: 9:20
